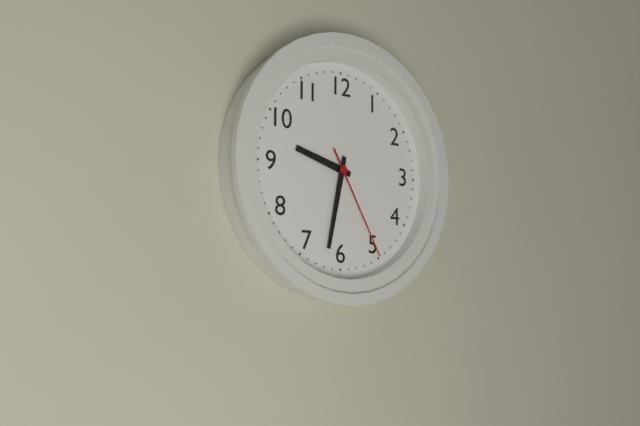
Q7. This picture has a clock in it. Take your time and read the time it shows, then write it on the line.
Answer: 9:32:25
